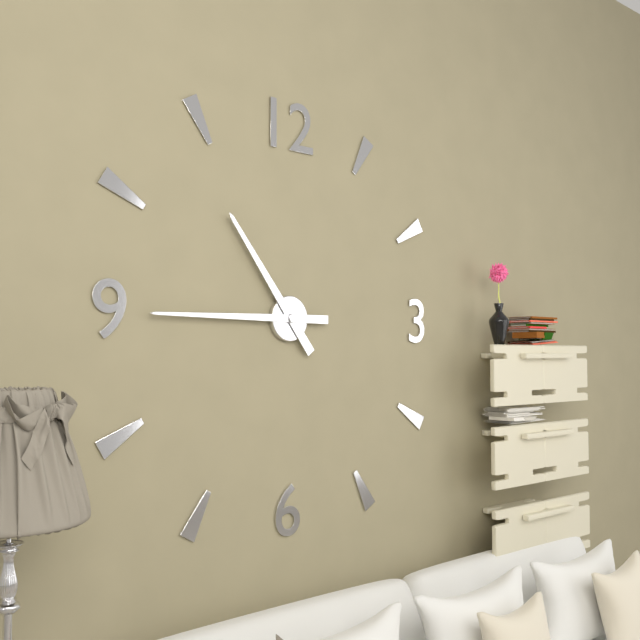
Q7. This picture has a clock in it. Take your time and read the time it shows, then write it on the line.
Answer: 10:45
